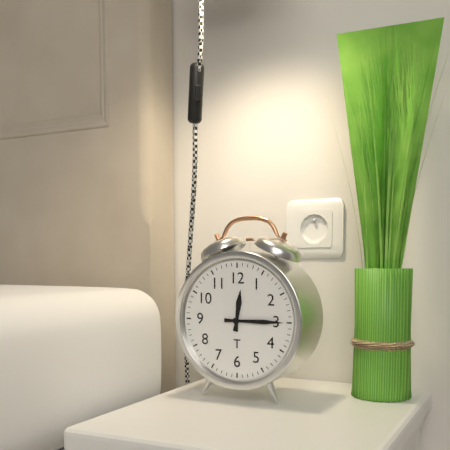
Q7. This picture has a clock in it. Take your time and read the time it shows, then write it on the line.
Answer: 12:15
